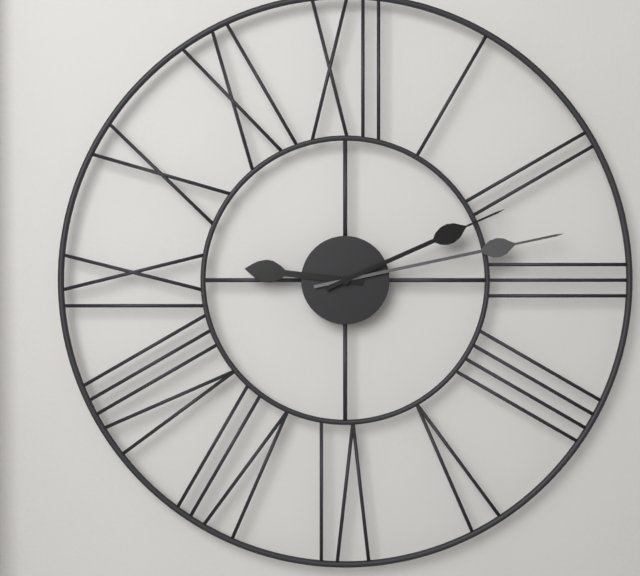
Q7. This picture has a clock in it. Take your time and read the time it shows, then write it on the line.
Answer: 9:13:11
